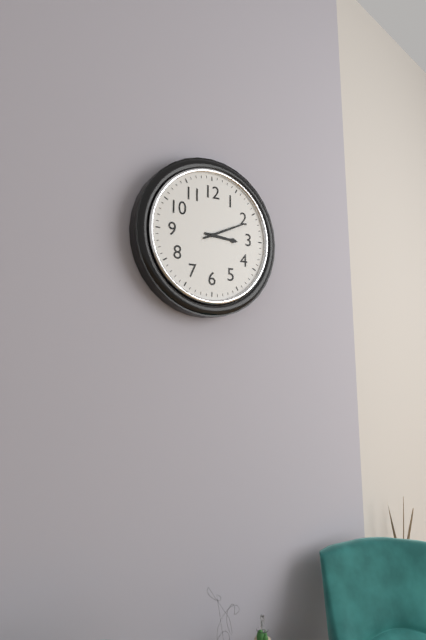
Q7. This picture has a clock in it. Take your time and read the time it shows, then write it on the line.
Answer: 3:11
